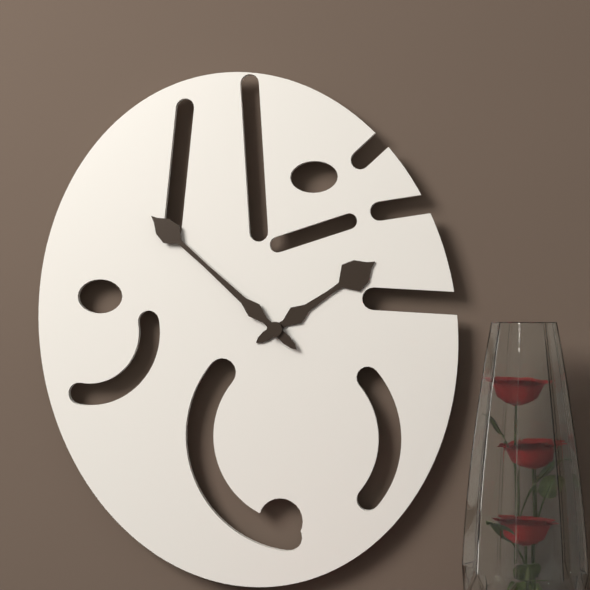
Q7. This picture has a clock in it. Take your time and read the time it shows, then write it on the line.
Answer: 1:52
